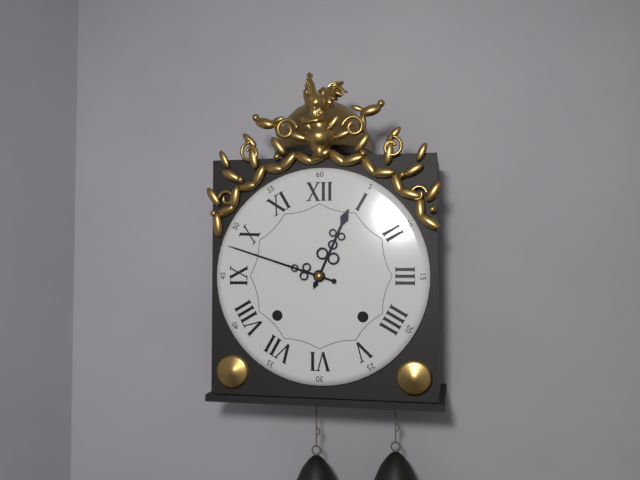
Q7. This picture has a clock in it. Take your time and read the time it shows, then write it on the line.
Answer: 12:48
